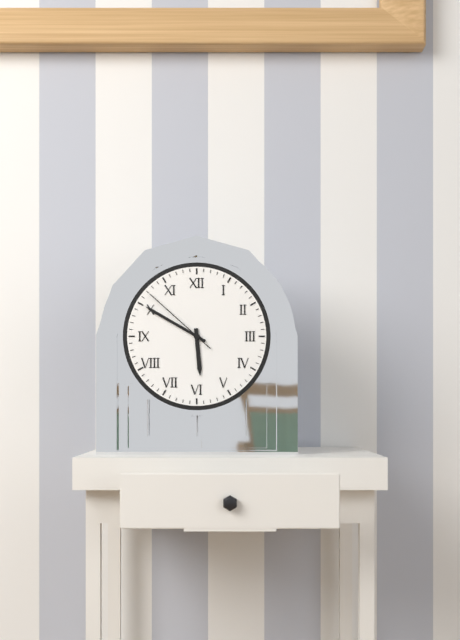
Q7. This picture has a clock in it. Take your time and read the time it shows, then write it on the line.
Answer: 5:50:52
